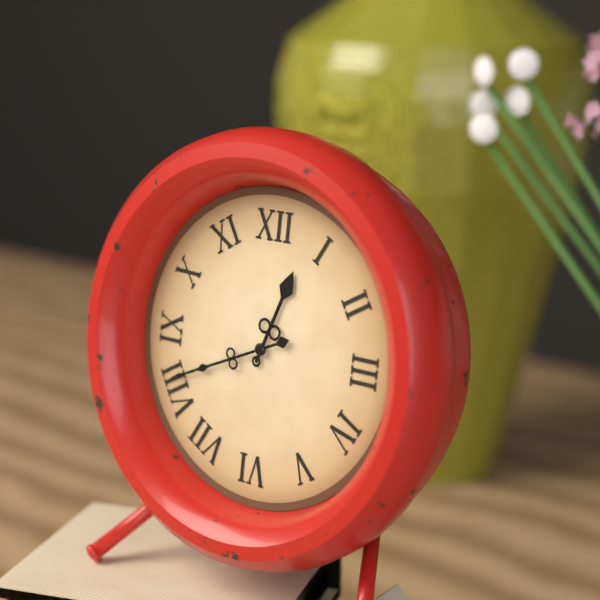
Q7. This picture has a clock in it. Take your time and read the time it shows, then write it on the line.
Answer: 12:41
